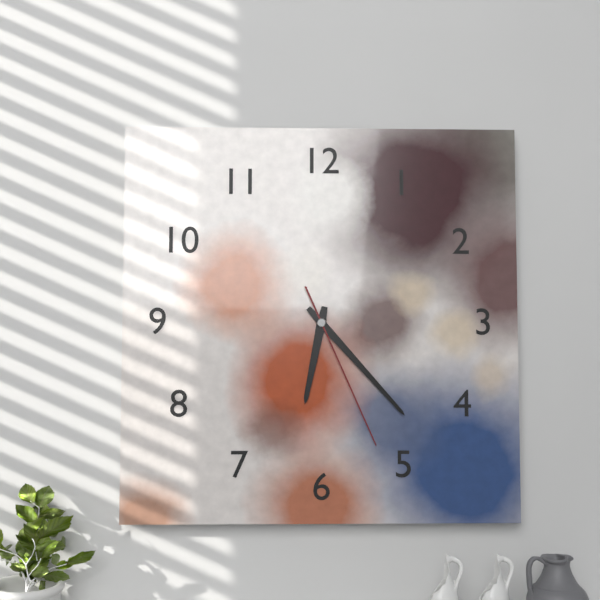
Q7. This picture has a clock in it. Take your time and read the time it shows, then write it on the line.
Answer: 6:23:26
